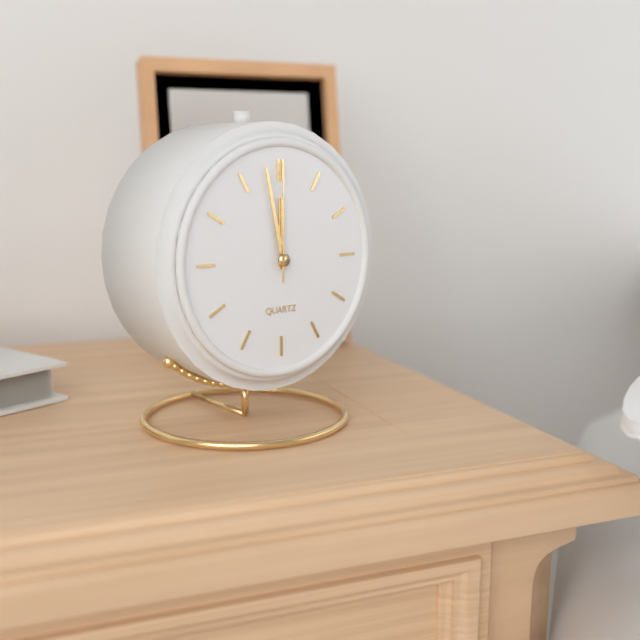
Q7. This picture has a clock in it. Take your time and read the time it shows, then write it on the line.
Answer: 11:58:00
